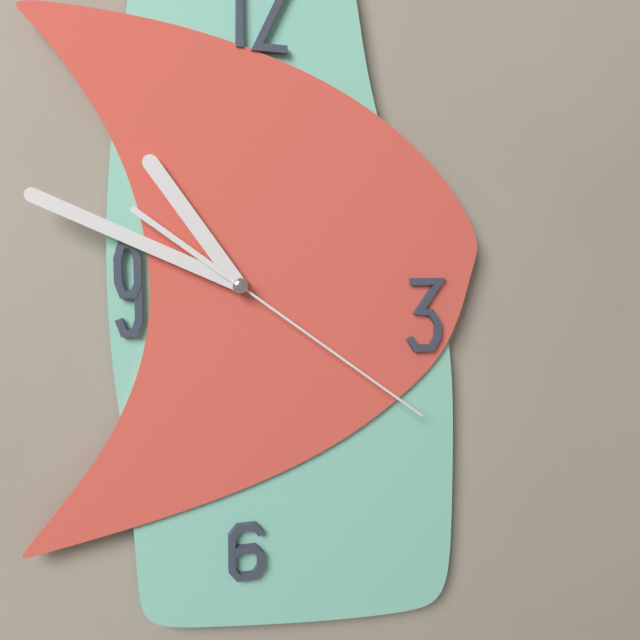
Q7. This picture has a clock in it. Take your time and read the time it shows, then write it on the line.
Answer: 10:49:21
